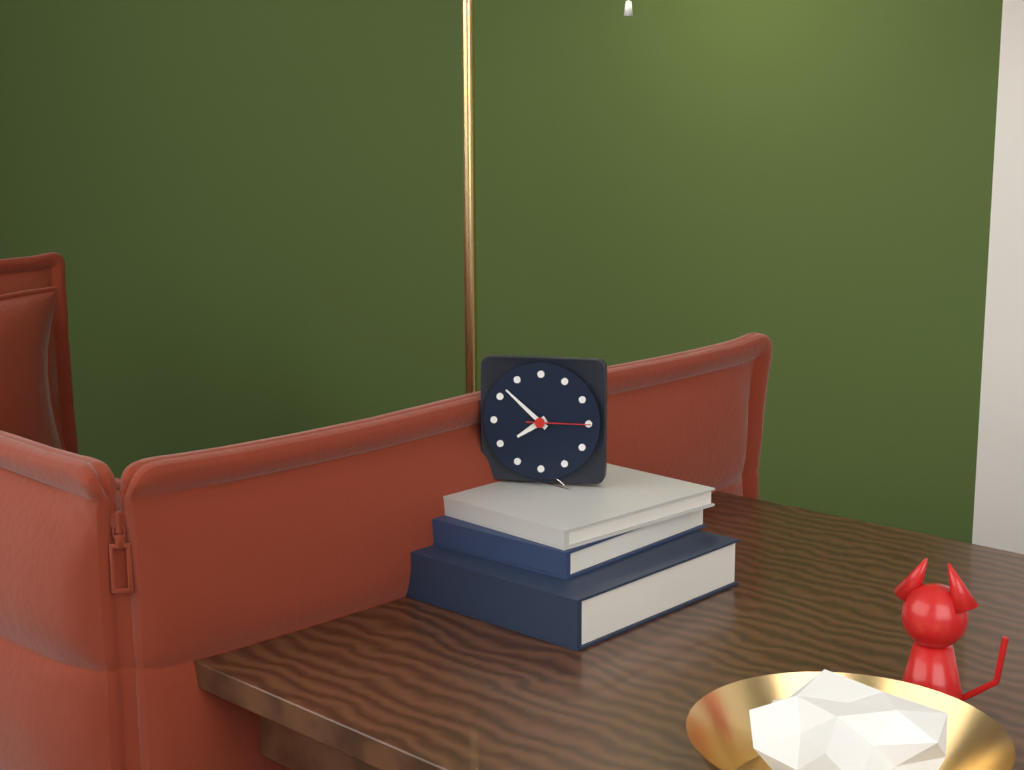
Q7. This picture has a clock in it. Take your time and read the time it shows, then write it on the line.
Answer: 7:52:15
